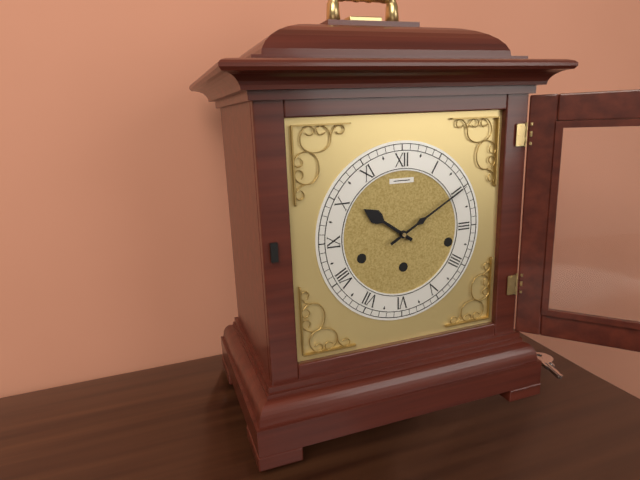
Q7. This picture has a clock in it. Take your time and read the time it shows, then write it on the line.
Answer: 10:10
